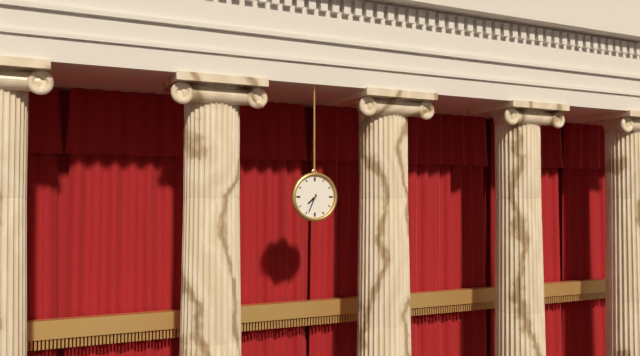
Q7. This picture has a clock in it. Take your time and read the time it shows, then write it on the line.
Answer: 7:34
